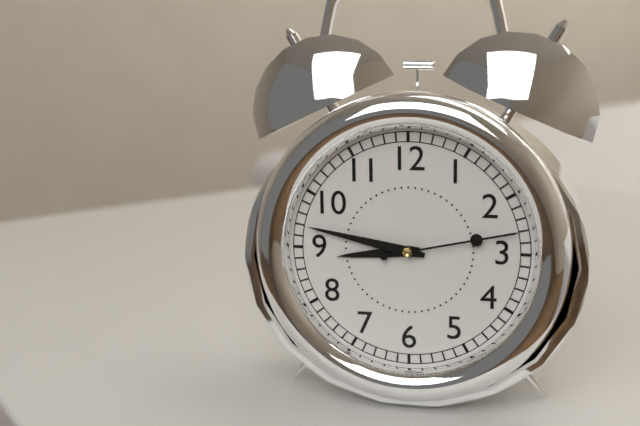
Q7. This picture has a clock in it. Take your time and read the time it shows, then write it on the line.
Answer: 8:47:13
